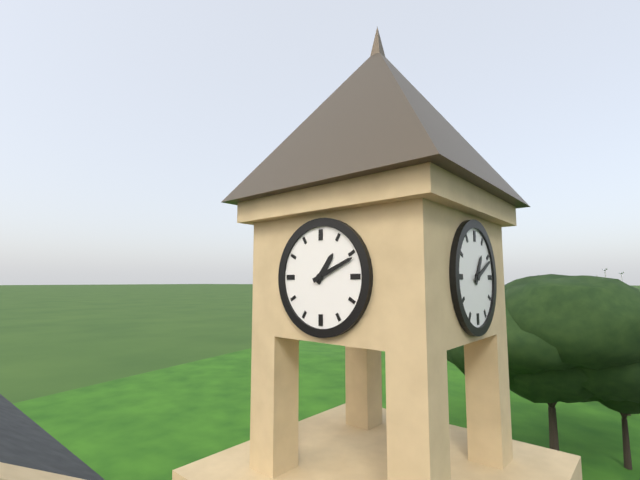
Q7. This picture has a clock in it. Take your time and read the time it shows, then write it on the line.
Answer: 1:11
